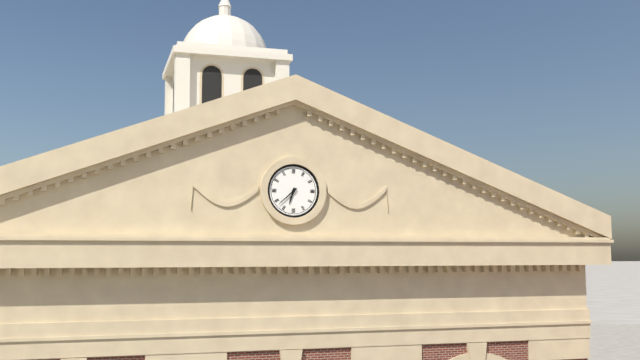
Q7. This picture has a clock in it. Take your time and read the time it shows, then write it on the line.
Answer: 6:38
